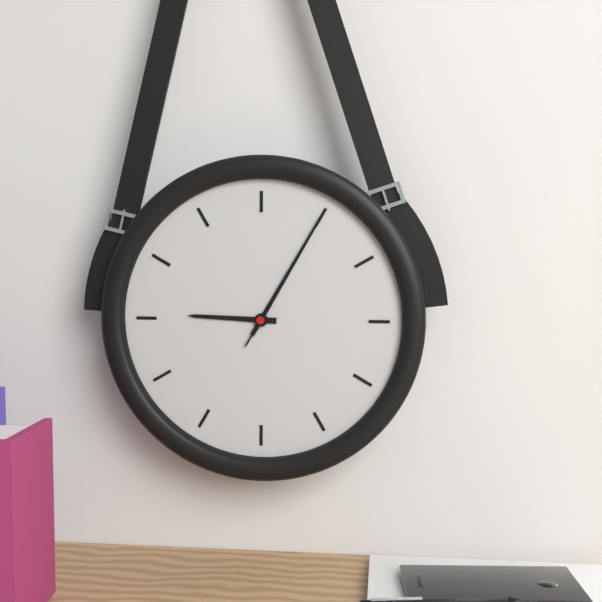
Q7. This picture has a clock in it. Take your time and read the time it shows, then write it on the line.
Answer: 9:05:05
